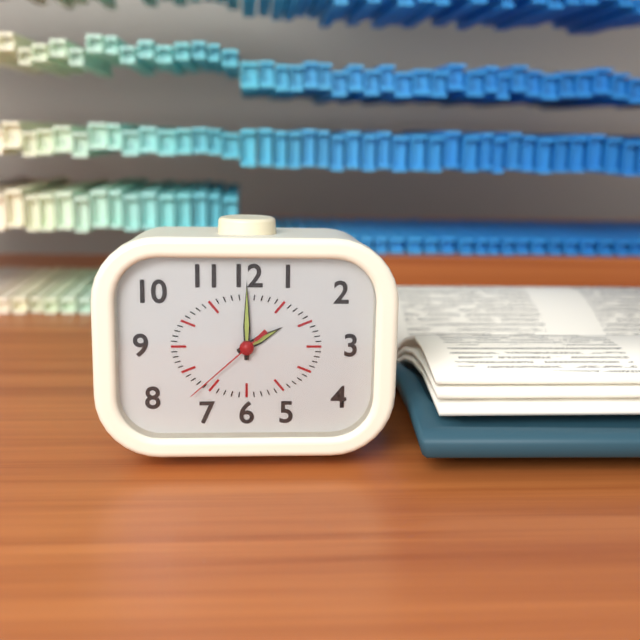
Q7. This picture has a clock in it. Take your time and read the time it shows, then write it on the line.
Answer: 2:00:38
